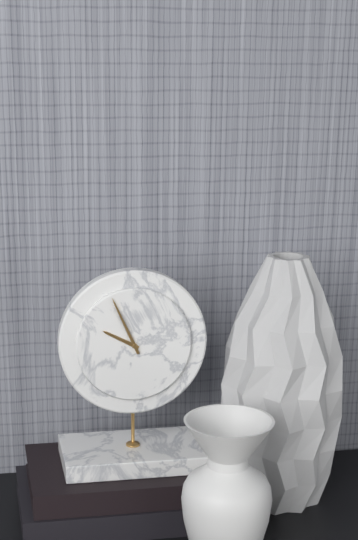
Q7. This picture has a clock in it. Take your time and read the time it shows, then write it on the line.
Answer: 9:56
